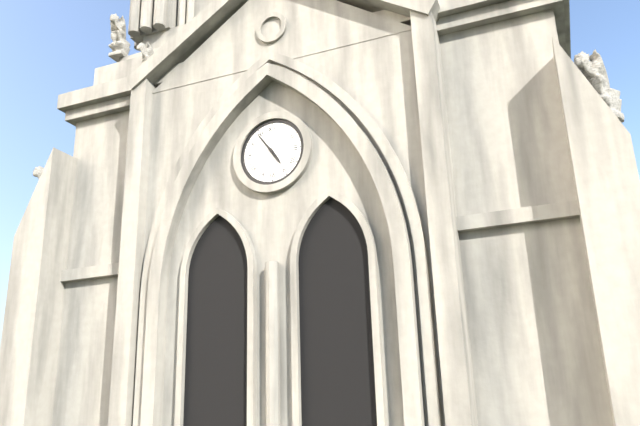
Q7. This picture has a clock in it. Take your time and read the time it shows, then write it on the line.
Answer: 4:54
